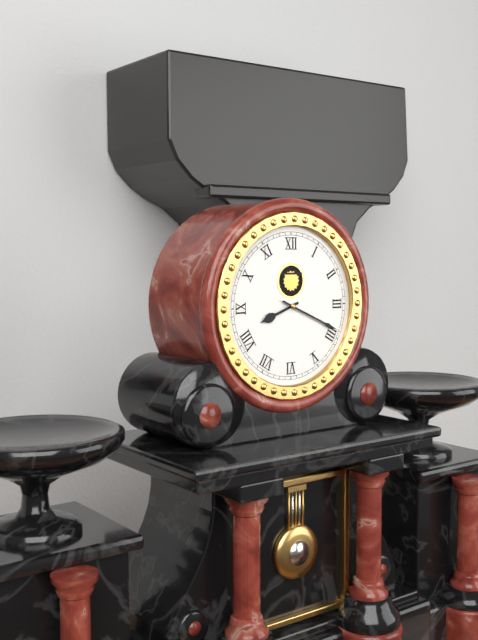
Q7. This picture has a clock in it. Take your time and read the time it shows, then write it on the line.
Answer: 8:19
